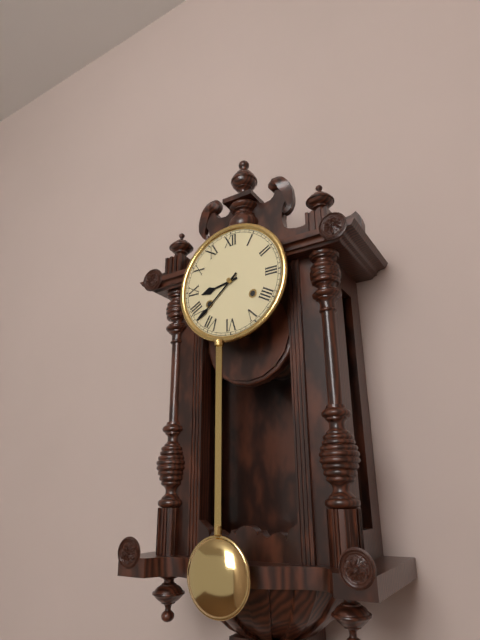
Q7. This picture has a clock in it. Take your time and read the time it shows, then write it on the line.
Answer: 8:38
